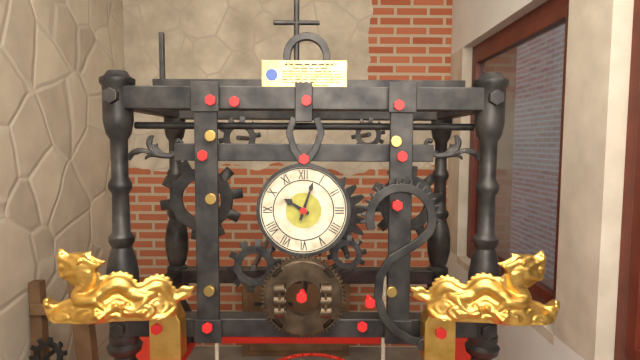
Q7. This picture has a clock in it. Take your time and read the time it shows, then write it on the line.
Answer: 10:03
